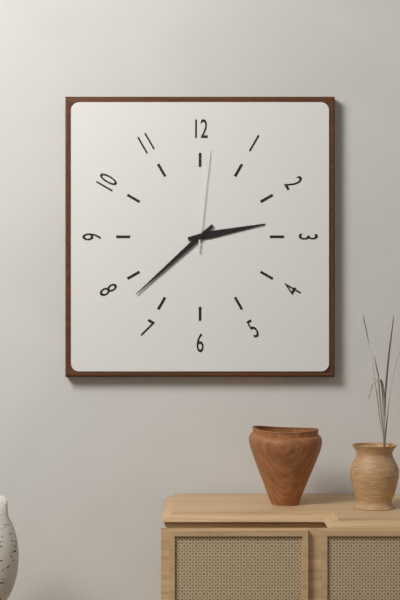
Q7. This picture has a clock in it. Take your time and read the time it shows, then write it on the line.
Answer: 2:38:01
